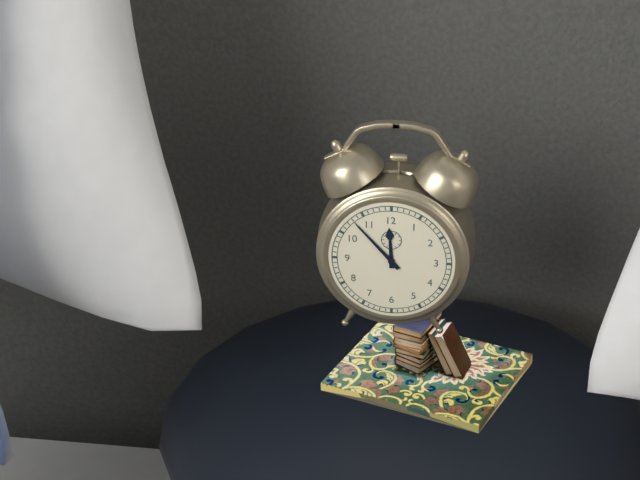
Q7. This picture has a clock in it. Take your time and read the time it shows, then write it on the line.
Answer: 11:53
